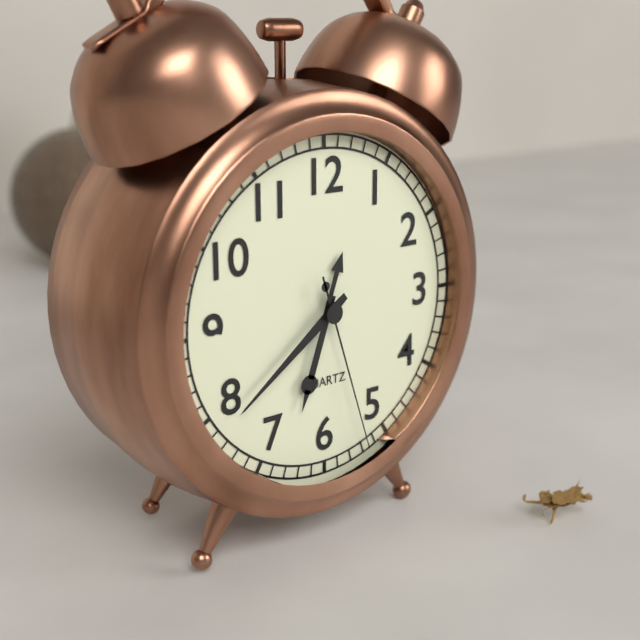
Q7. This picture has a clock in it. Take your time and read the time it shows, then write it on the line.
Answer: 6:39:27
